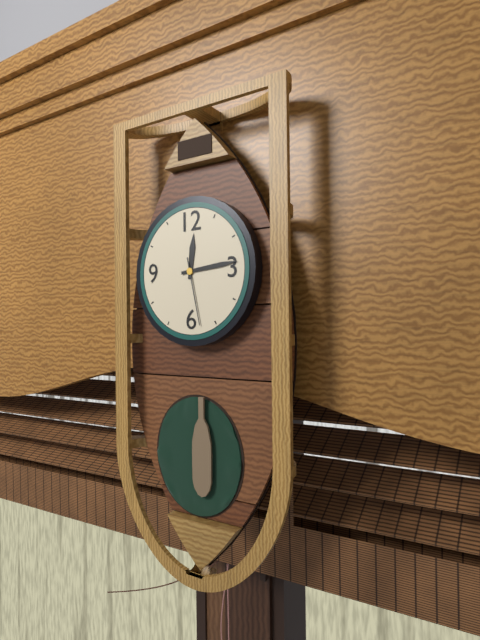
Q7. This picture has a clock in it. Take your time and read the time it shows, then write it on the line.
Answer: 12:14:28
